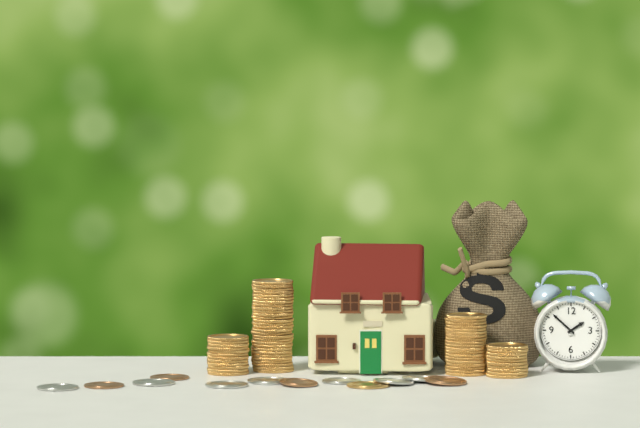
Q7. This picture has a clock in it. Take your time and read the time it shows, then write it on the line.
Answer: 1:52
